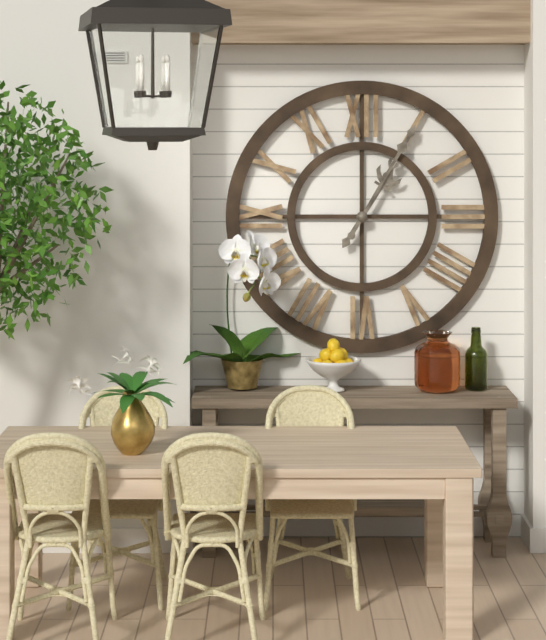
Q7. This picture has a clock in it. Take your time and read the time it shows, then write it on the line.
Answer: 1:05
